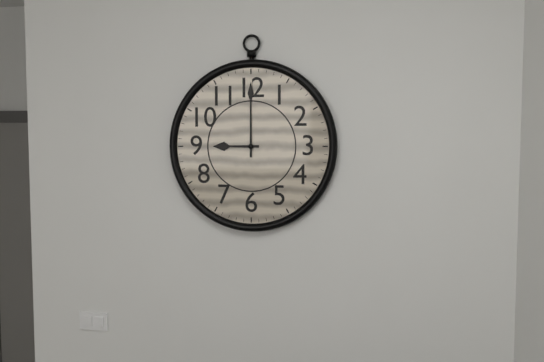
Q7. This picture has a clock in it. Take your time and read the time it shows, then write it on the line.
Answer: 9:00
